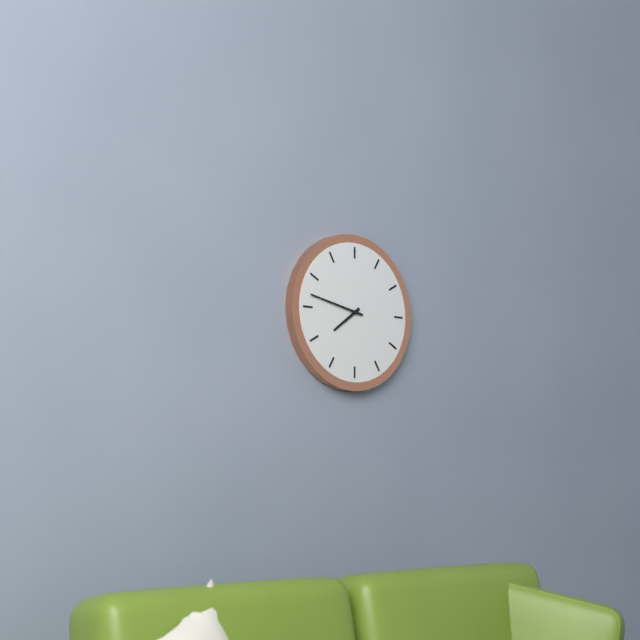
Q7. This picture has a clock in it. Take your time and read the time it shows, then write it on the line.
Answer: 7:47
